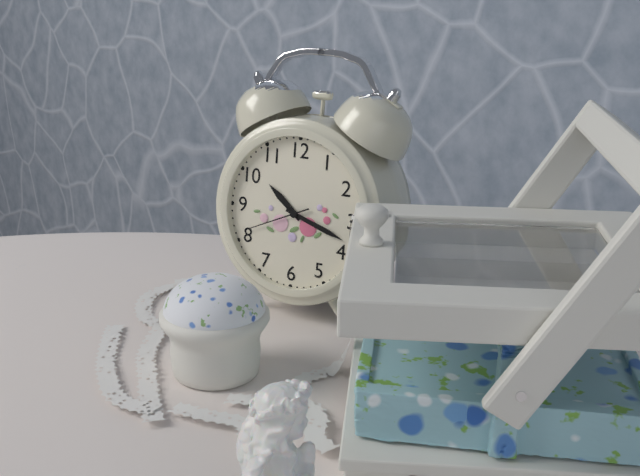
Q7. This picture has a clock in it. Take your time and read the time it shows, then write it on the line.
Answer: 10:18:41
